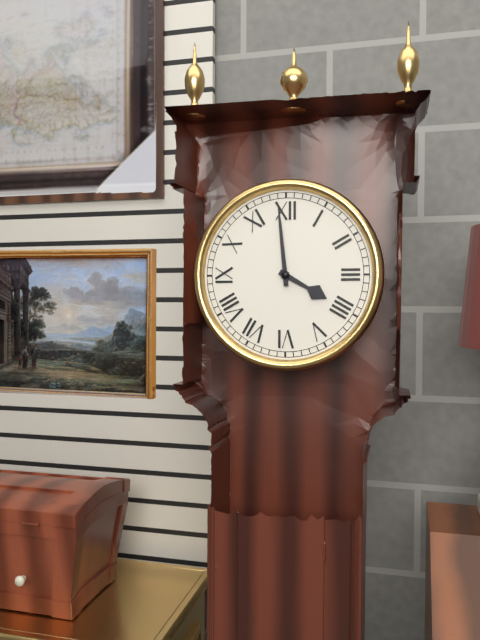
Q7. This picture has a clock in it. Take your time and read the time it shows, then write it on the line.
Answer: 3:59
